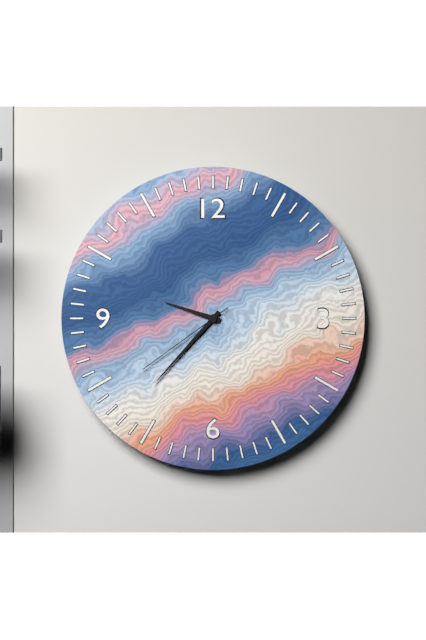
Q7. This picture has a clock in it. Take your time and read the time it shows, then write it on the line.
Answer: 9:37:39
